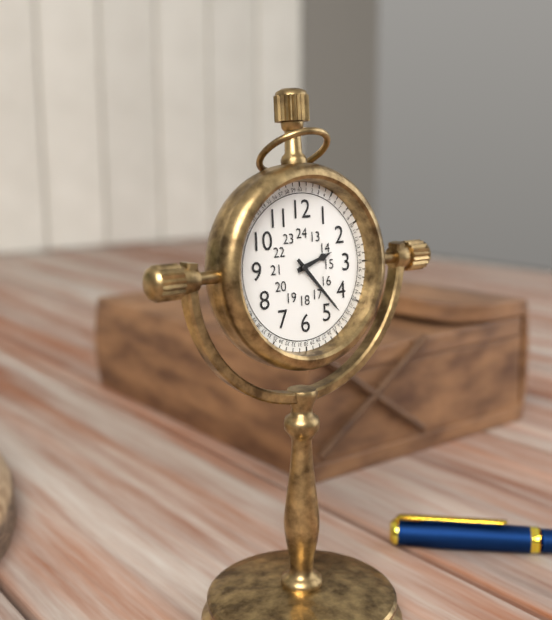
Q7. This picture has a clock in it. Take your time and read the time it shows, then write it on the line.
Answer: 2:23
